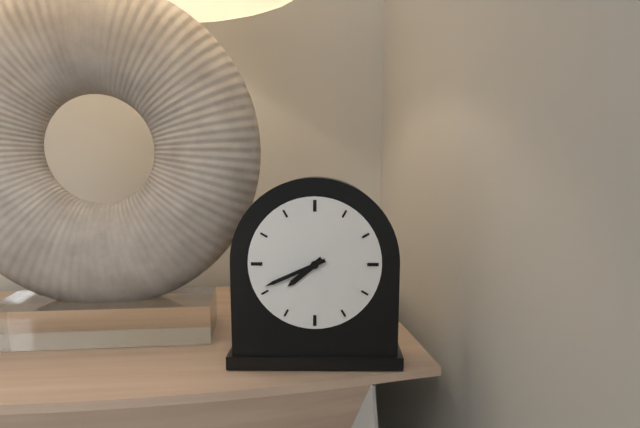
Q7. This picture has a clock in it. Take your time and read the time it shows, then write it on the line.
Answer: 7:41
